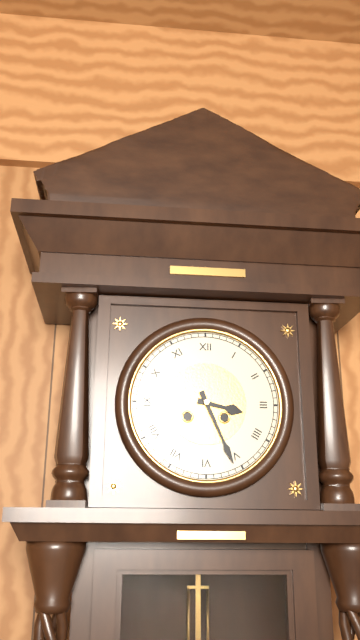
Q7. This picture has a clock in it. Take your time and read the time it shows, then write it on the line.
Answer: 3:26
